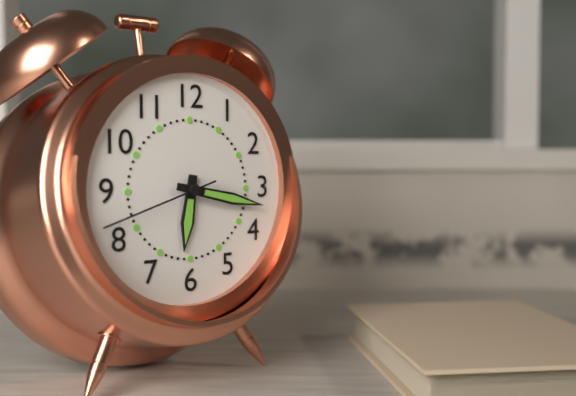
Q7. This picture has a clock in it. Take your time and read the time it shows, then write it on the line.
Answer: 6:17:42
